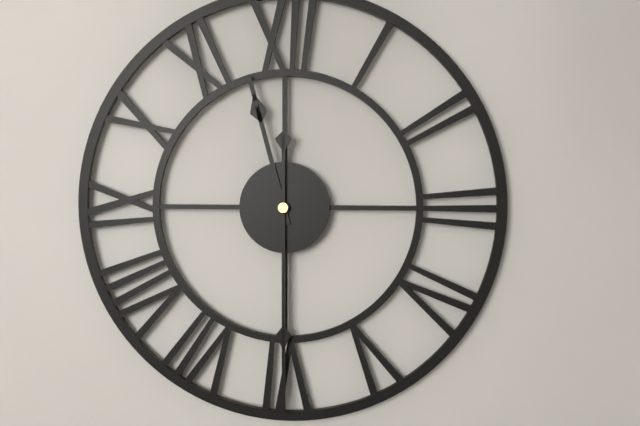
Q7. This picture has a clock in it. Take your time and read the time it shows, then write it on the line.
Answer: 11:30
